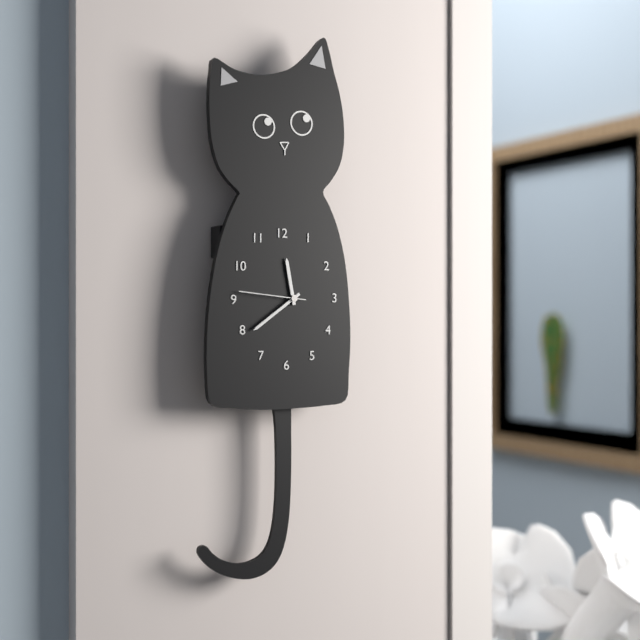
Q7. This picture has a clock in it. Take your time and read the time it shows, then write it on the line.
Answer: 11:39
